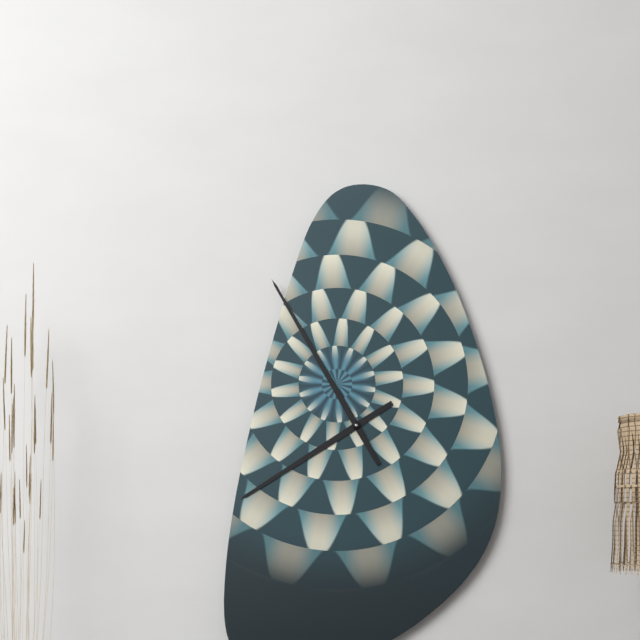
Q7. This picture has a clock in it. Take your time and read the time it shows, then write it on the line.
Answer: 7:55
